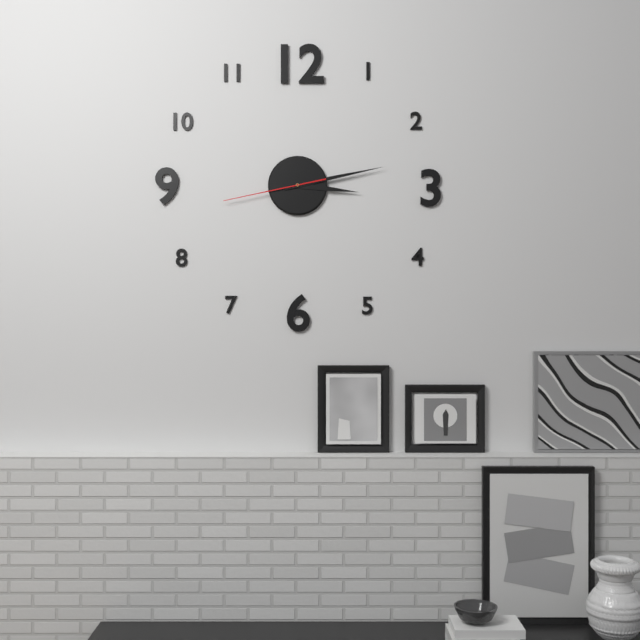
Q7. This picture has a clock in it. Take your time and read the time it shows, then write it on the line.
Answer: 3:13:43
